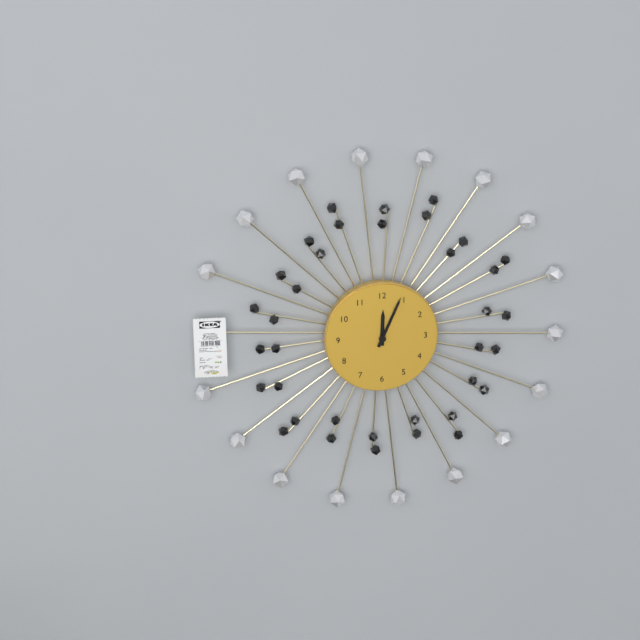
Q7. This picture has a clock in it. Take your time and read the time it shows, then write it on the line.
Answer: 12:04
